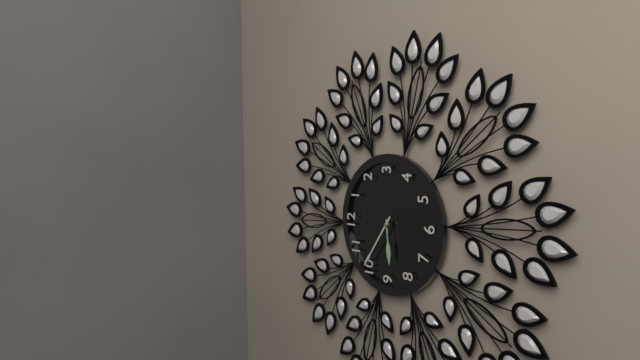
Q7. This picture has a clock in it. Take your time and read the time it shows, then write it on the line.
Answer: 8:51
